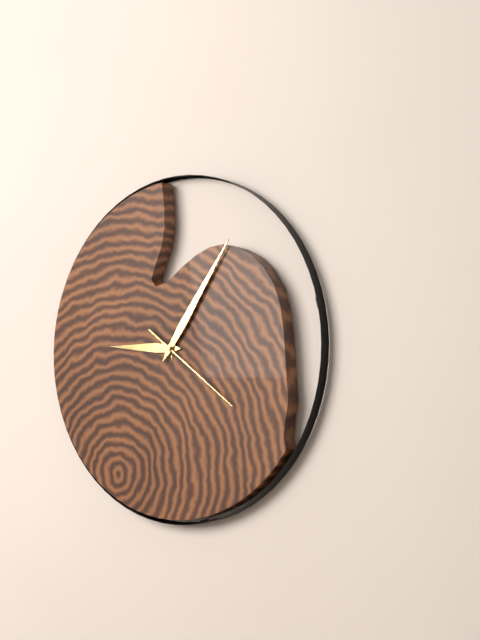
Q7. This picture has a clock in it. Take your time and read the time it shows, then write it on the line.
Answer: 9:06:21
